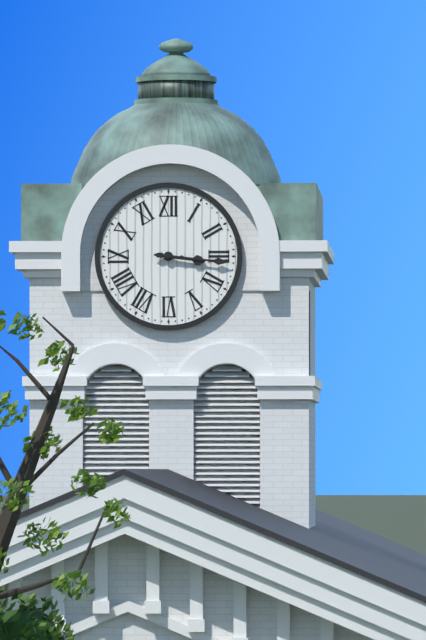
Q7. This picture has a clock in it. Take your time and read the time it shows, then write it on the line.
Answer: 3:16
